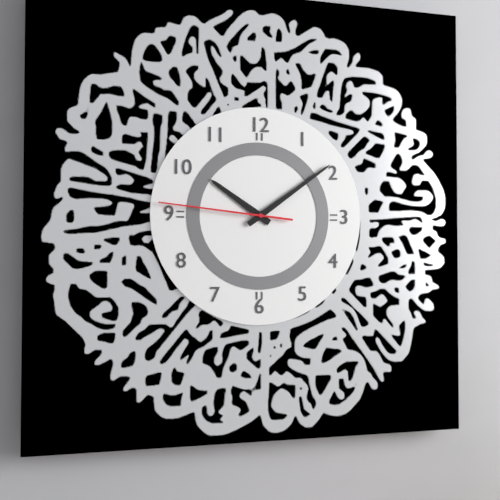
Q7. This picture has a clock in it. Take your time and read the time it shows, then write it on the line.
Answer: 10:09:46
